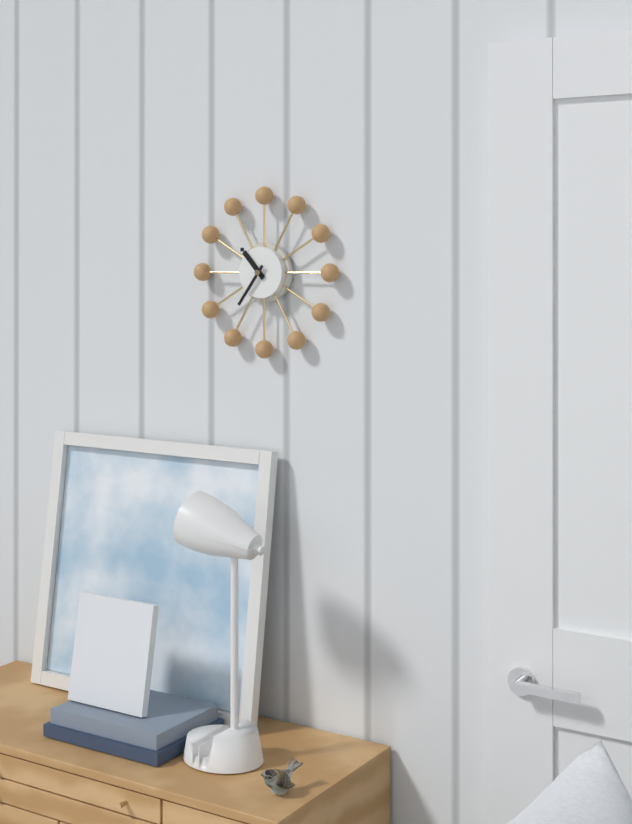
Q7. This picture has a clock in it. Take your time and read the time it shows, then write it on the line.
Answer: 10:36
